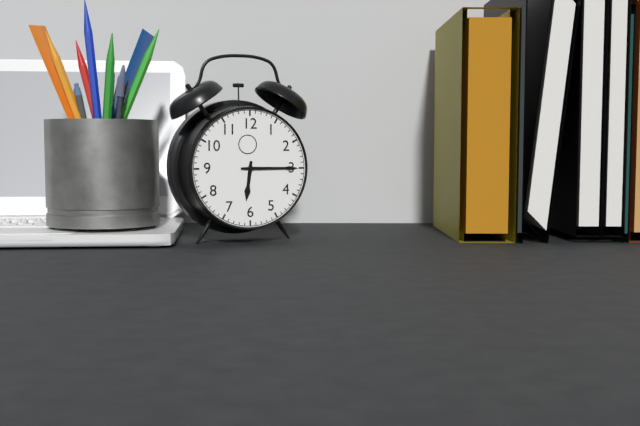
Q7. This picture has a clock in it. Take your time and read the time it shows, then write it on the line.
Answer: 6:15
